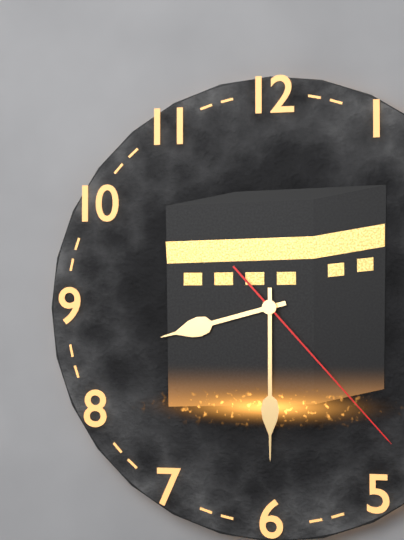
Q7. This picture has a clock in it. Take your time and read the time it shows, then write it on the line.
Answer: 8:30:23
